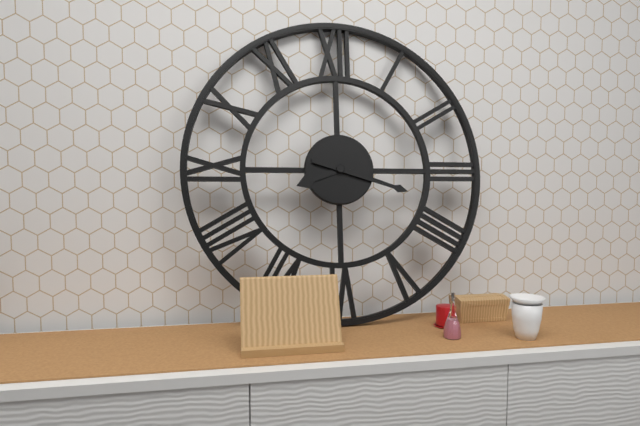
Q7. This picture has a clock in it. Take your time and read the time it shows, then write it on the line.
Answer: 8:18
